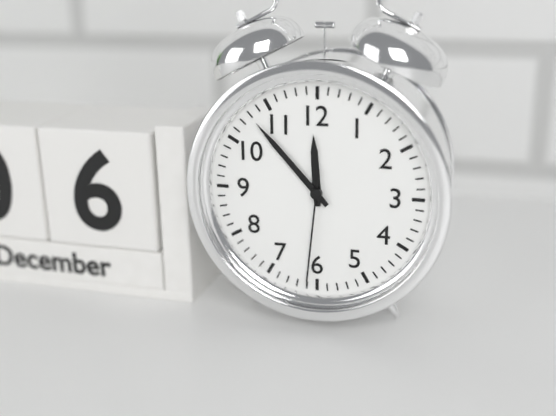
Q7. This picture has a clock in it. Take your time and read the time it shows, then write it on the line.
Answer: 11:53:31
